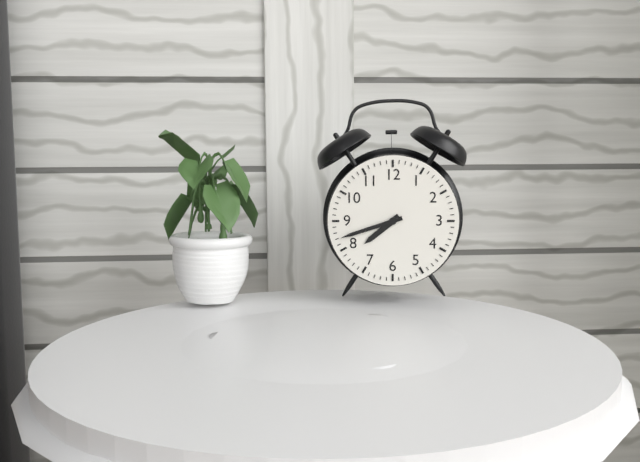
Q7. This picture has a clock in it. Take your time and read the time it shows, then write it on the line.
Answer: 7:42
